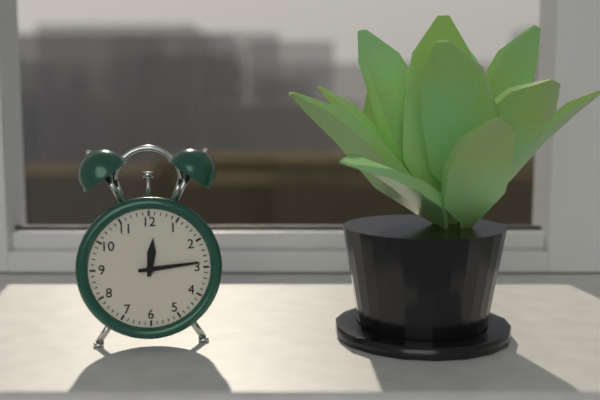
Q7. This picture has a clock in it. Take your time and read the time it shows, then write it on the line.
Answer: 12:14
